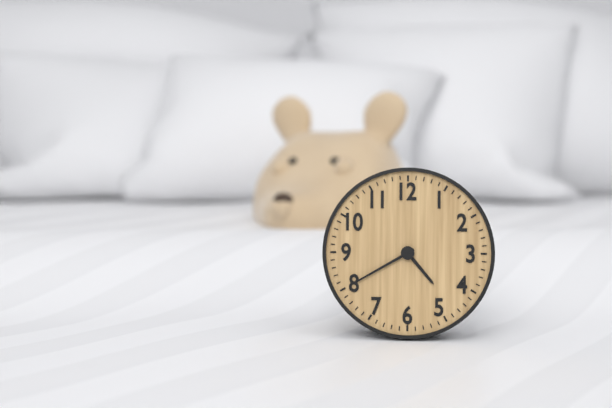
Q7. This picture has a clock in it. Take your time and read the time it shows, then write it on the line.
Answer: 4:40
